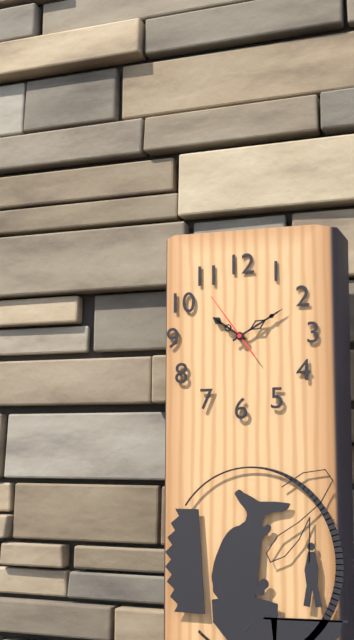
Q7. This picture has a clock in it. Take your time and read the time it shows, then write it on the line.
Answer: 10:10:54
